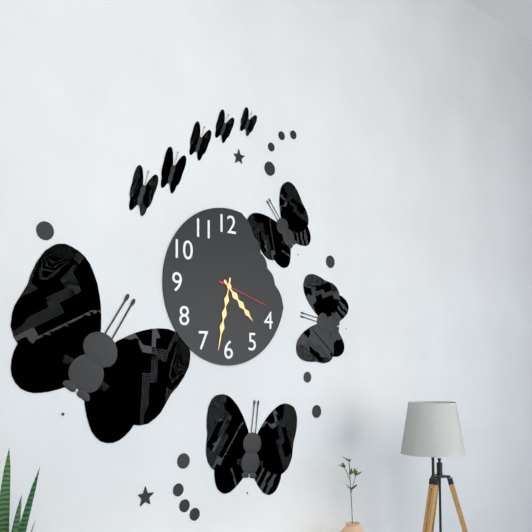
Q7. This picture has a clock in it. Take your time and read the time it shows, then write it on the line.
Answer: 4:32:18
